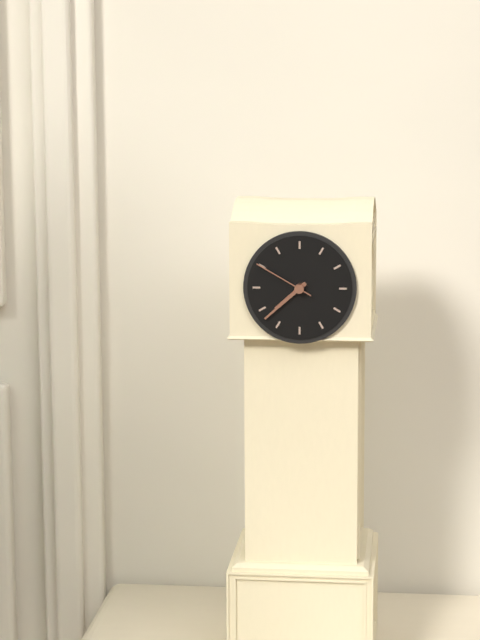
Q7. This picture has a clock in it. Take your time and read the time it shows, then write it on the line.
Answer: 7:38:50
